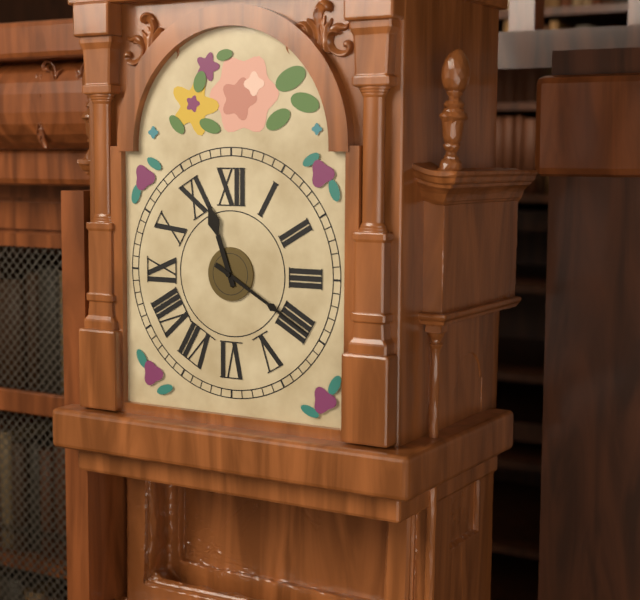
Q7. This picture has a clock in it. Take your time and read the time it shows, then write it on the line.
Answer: 11:20
